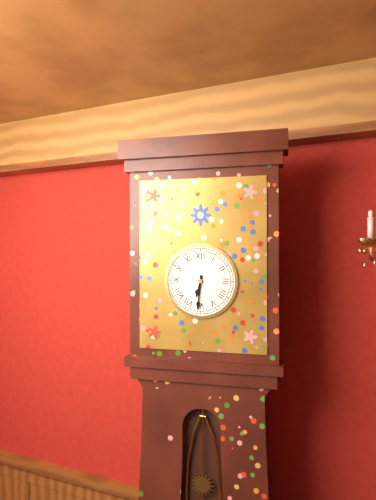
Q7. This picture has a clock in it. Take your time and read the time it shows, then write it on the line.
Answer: 6:31
